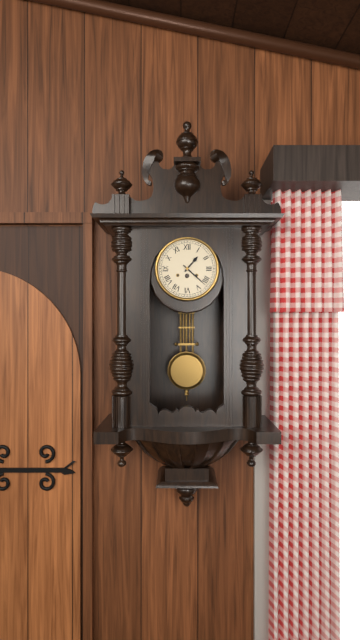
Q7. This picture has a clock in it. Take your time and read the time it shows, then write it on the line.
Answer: 1:22
